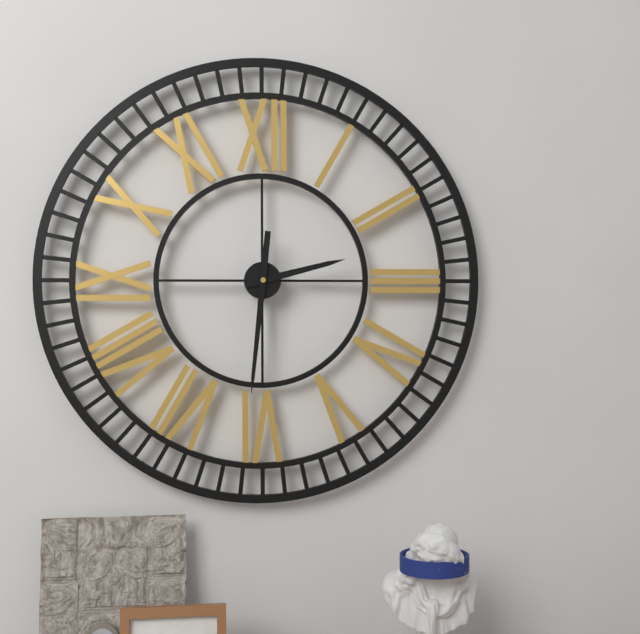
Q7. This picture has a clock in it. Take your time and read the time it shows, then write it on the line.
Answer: 2:31
